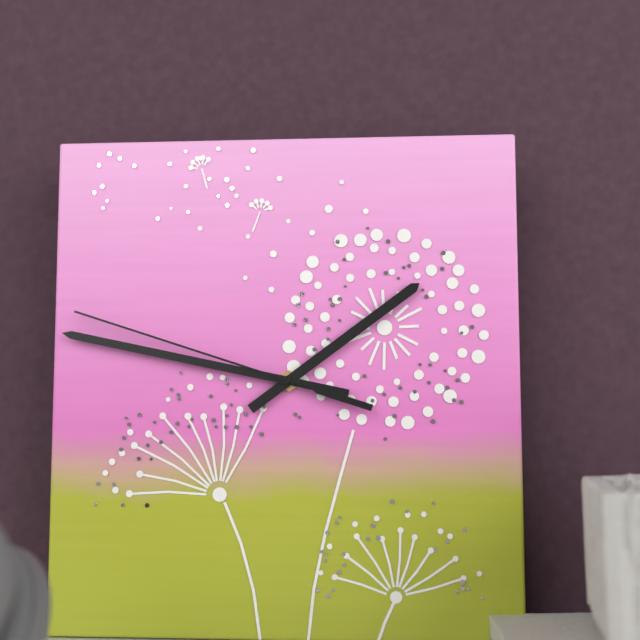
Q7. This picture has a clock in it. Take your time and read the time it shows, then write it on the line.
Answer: 1:47:48
